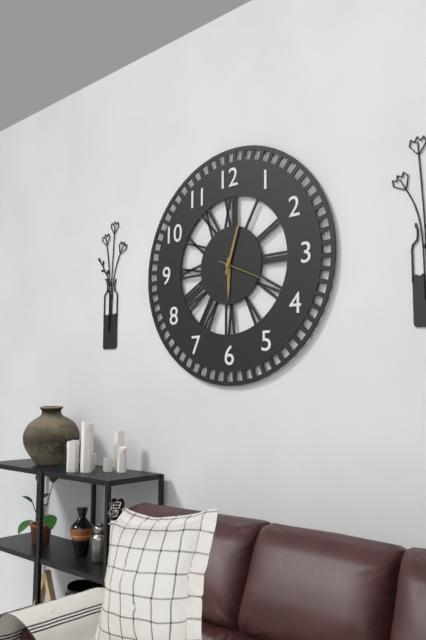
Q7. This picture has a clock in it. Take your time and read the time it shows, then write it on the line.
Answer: 6:03:19
